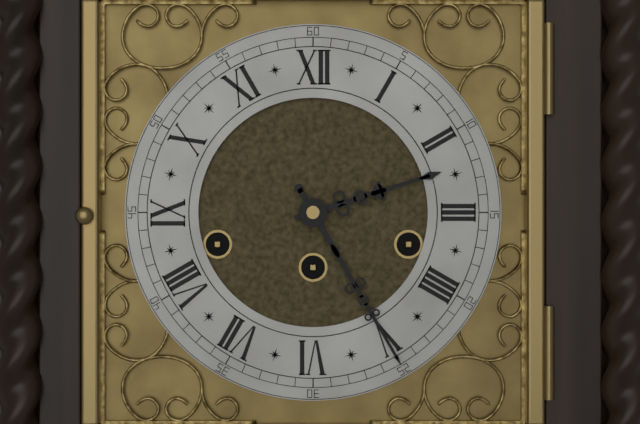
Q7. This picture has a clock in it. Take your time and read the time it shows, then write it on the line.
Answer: 2:25
